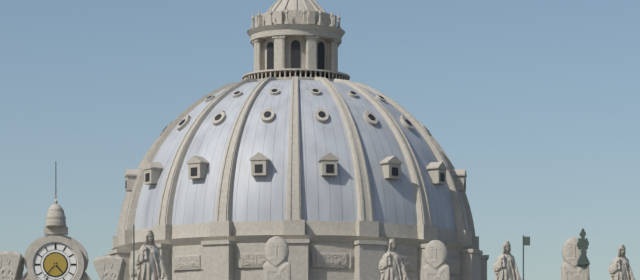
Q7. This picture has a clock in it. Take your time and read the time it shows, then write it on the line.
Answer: 4:37
